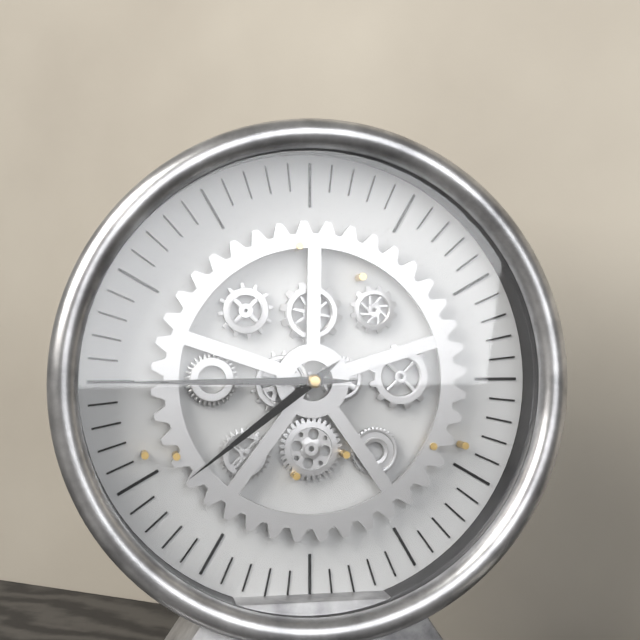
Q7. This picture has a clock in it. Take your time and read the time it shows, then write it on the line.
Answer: 7:45
